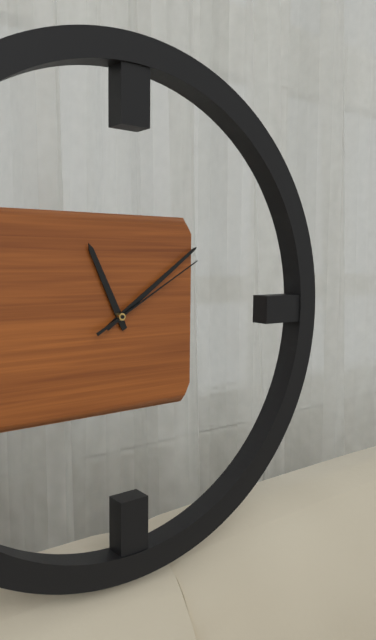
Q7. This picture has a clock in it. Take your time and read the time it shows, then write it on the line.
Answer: 11:09:10
